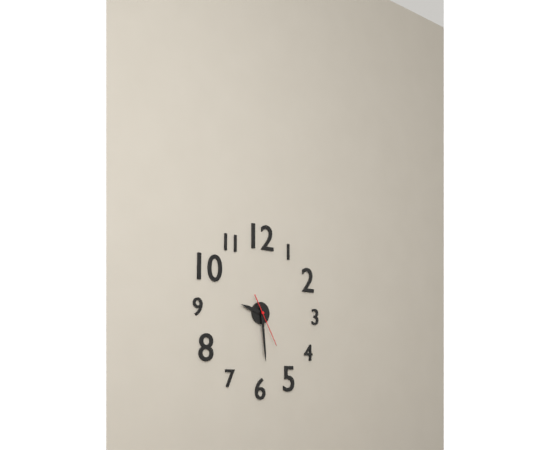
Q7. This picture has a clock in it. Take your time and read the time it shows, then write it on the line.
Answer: 9:29
